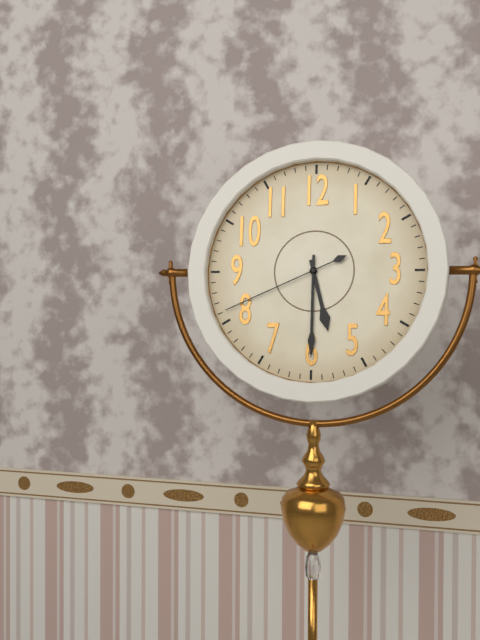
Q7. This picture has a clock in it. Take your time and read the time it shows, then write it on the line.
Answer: 5:30:41
